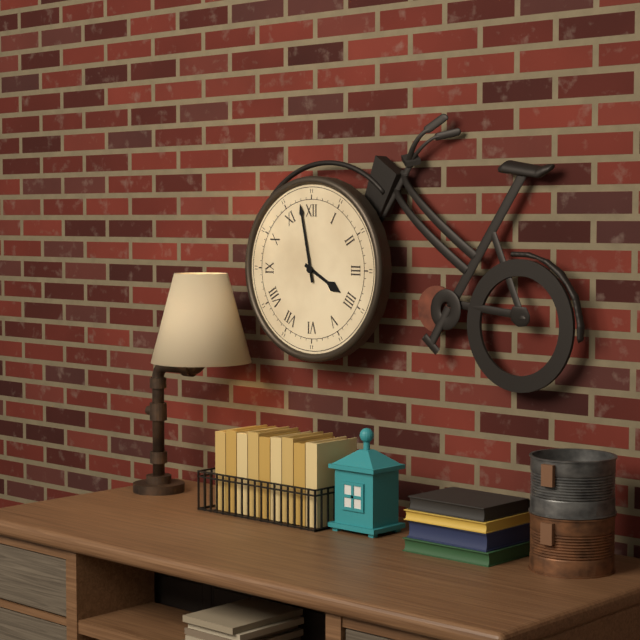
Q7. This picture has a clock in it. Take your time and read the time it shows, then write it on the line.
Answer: 3:58
